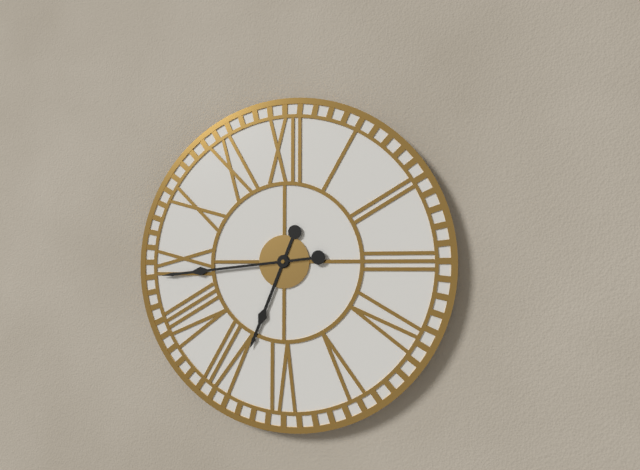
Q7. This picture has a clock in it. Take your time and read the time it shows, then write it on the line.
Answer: 6:44
